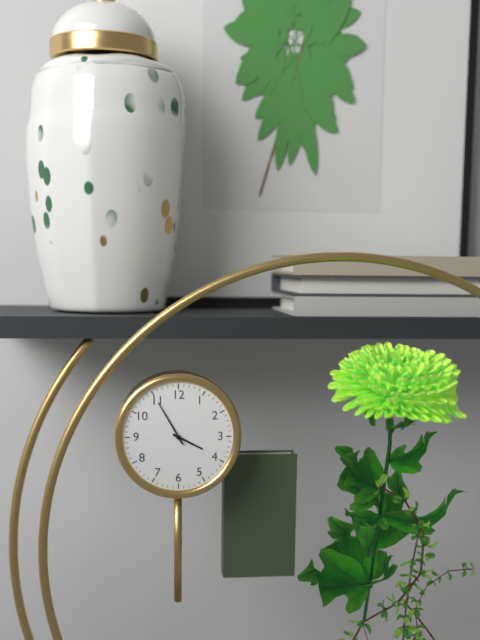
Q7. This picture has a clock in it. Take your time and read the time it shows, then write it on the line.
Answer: 3:55
